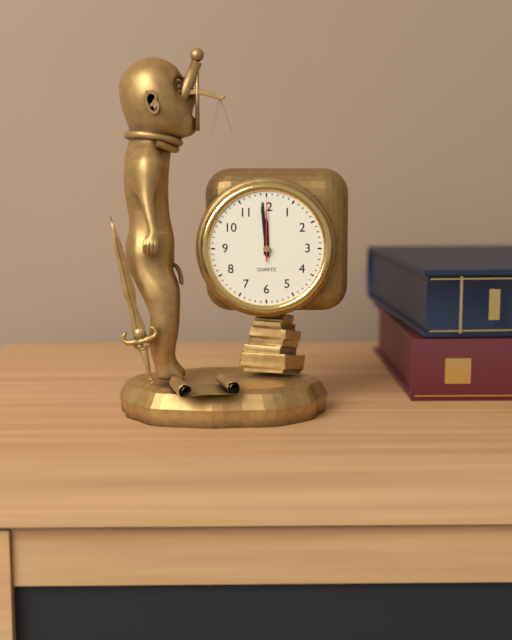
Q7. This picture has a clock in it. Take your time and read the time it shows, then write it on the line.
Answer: 11:59:00
